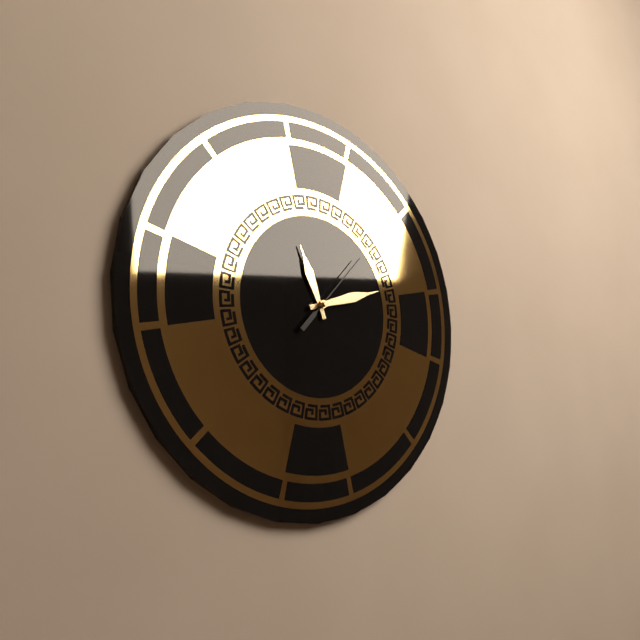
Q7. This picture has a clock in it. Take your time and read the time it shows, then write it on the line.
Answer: 11:12:07
